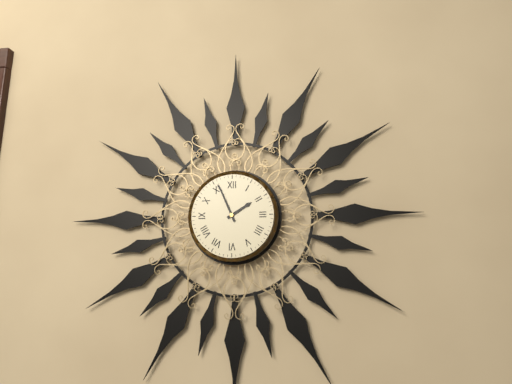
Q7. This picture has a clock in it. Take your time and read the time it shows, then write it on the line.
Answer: 1:56
